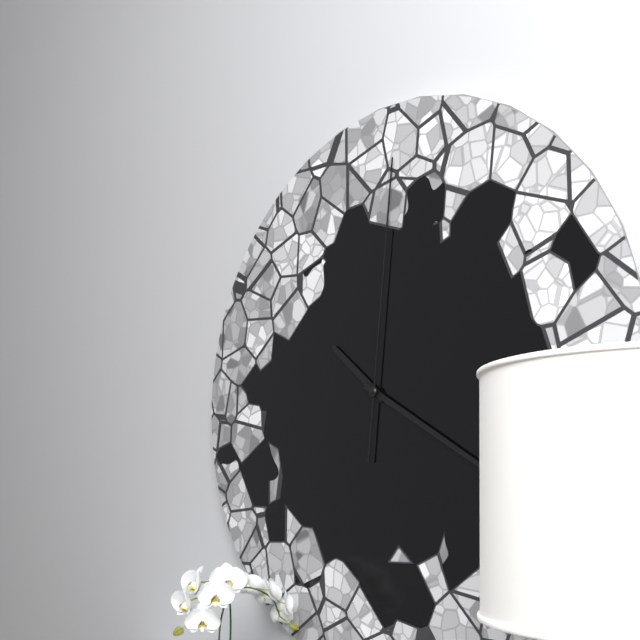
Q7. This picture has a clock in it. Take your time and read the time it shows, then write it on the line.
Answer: 10:20:01
